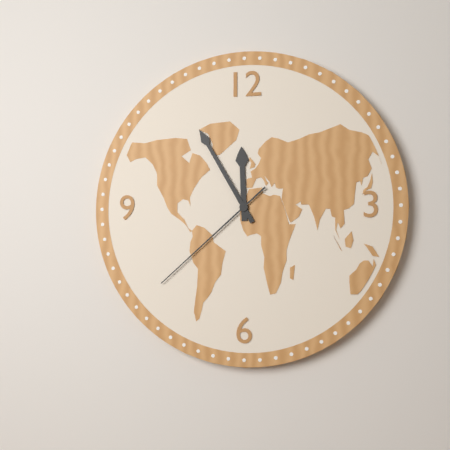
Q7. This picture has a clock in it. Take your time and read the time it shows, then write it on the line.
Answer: 11:55:38
